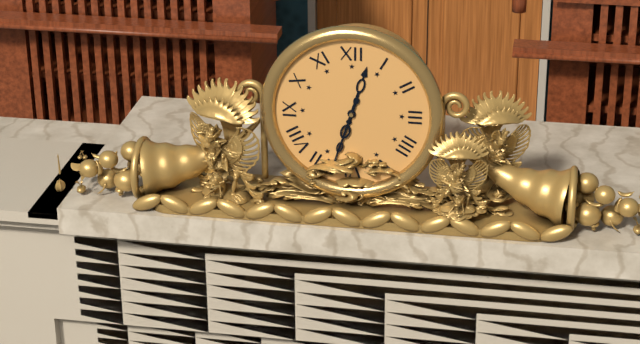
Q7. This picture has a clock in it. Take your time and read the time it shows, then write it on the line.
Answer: 12:33
